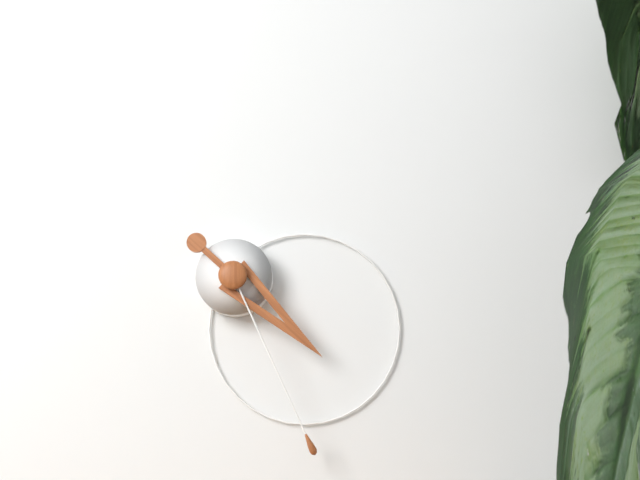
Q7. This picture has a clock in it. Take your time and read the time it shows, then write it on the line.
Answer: 4:26
